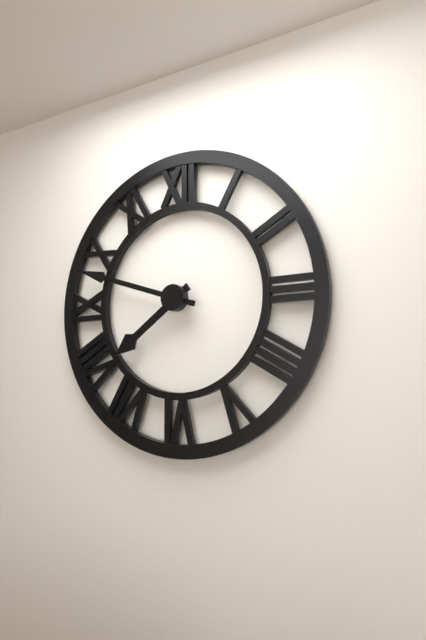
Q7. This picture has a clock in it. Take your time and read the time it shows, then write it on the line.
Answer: 7:48
